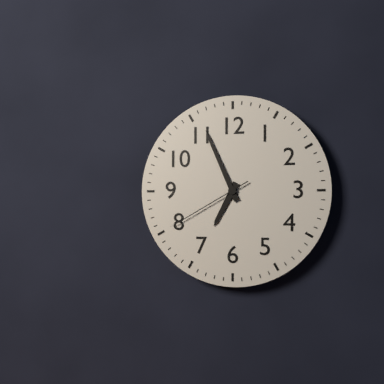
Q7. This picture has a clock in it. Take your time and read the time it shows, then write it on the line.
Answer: 6:56:40
